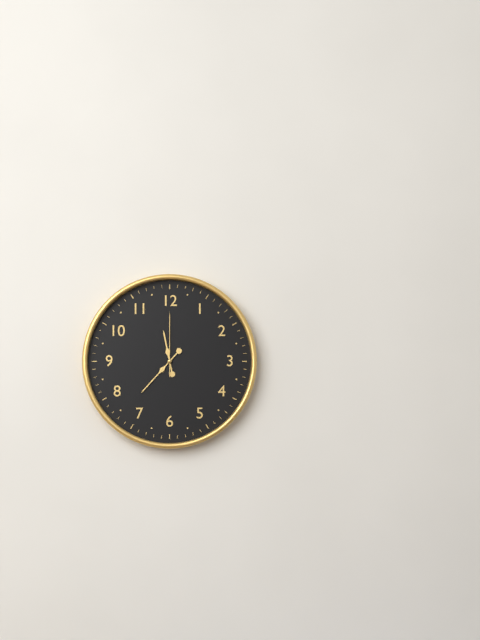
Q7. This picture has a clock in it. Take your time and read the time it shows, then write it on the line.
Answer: 11:37:00
